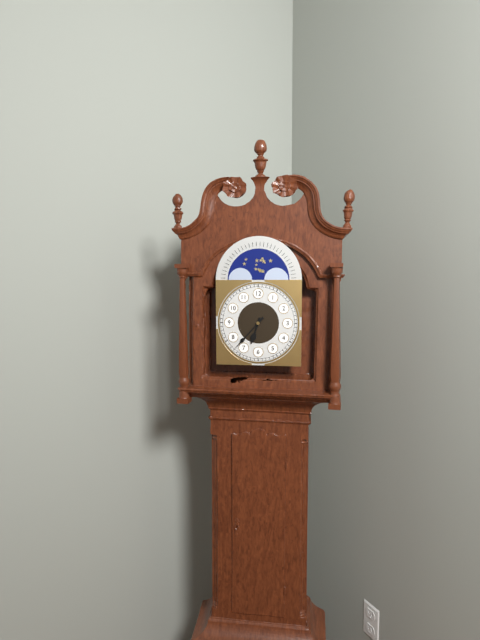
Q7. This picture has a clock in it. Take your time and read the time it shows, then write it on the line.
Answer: 6:37
